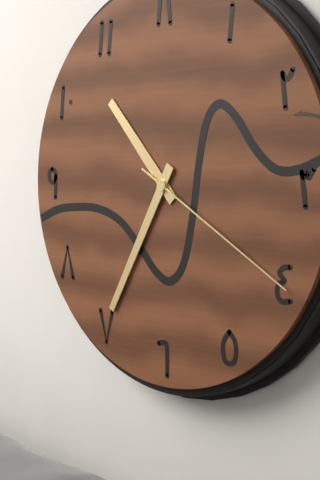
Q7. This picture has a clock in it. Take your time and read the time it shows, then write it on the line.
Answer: 10:35:20
